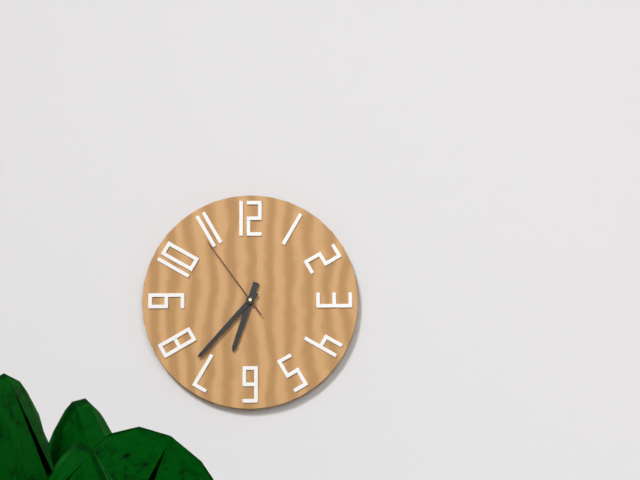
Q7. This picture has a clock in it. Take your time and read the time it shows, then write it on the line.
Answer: 6:37:54
